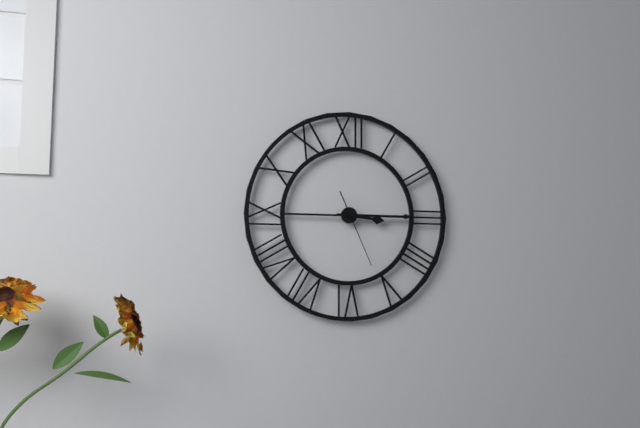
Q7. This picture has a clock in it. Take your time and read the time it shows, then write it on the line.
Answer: 3:15:26
